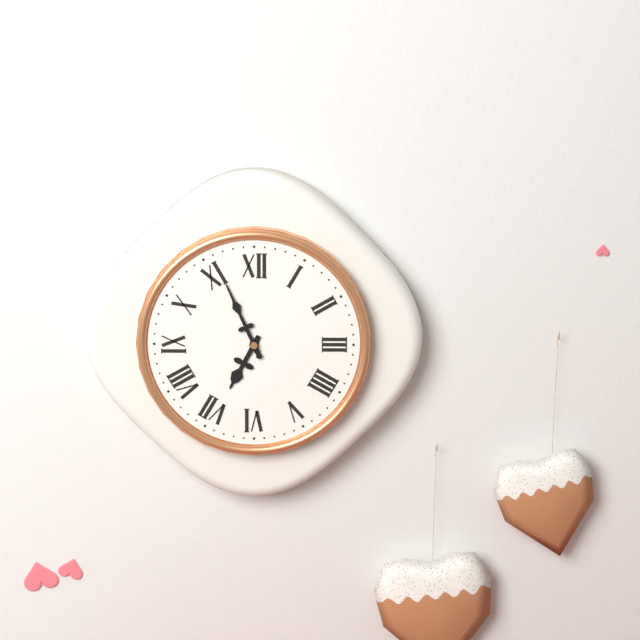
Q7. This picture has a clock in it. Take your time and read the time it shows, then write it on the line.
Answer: 6:56
